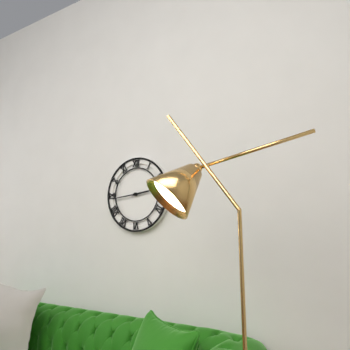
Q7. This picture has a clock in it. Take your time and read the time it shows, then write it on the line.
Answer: 2:44
